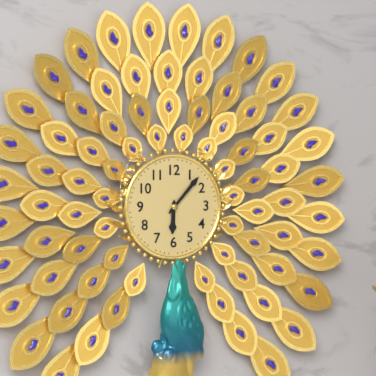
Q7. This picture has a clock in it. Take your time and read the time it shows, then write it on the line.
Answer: 6:07
